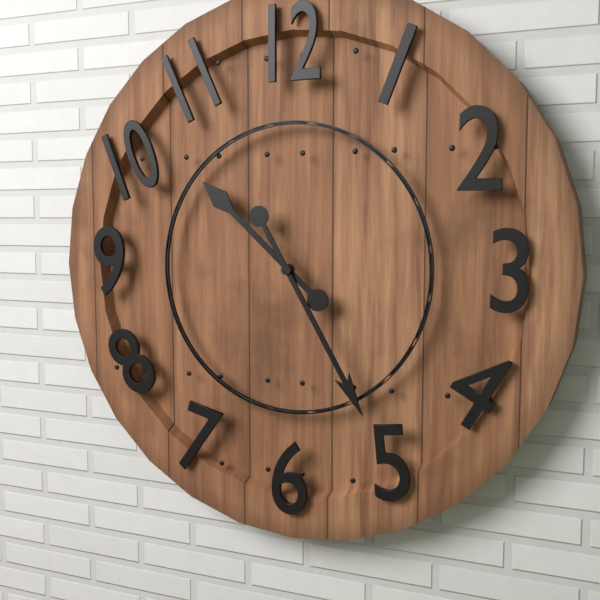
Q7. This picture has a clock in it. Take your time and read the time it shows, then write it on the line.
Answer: 10:25
